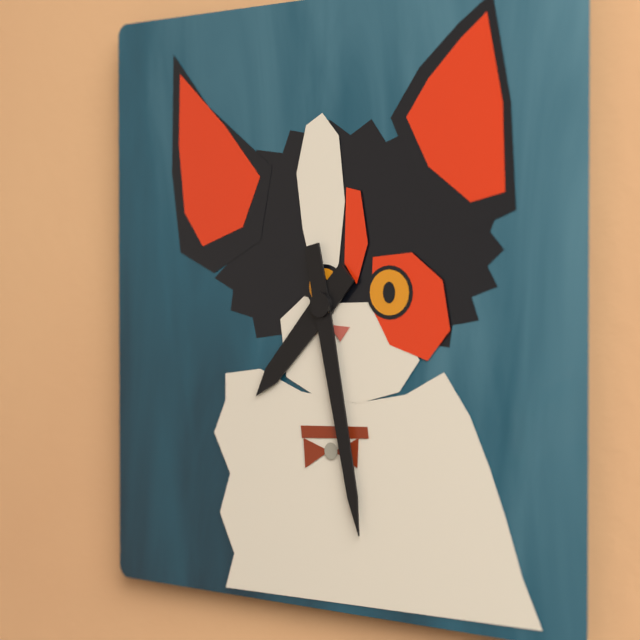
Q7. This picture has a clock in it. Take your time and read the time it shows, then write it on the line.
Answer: 7:28
